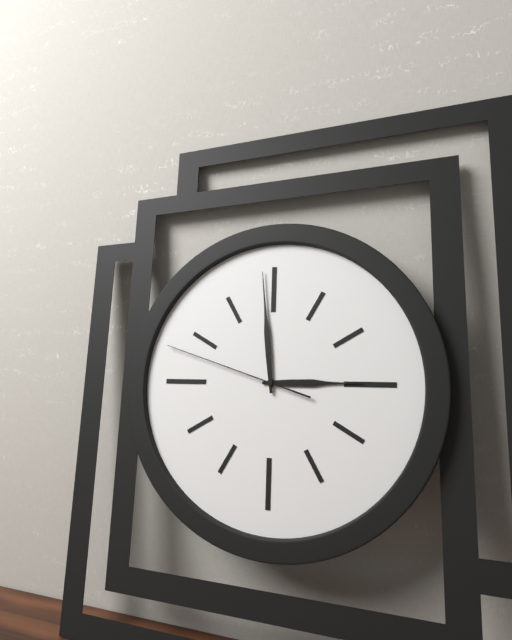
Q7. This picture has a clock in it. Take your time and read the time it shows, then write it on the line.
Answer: 2:59:48
